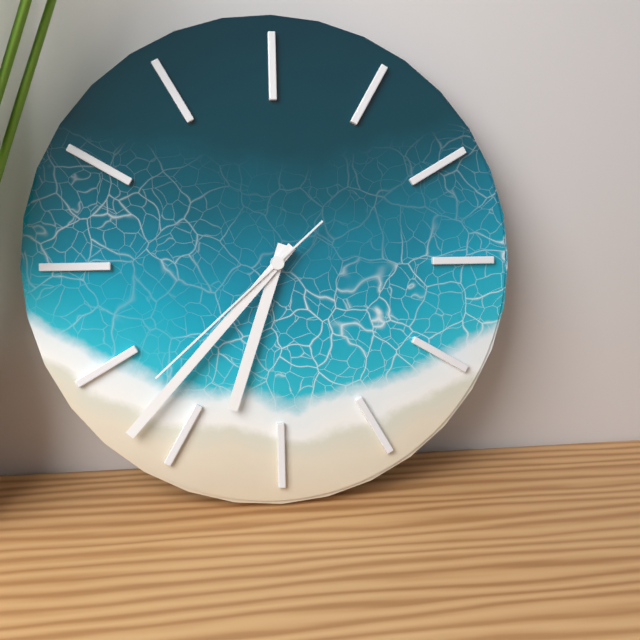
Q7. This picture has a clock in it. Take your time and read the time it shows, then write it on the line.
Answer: 6:37:38
